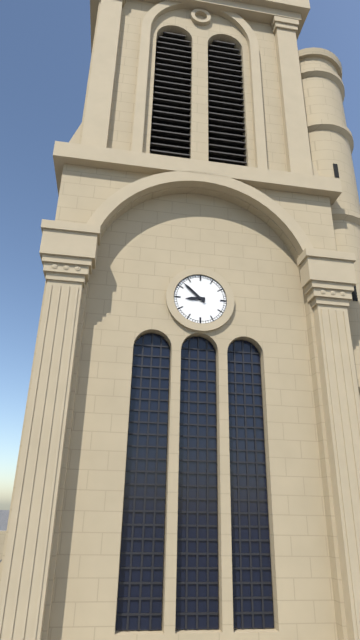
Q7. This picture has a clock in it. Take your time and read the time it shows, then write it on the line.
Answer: 8:52
